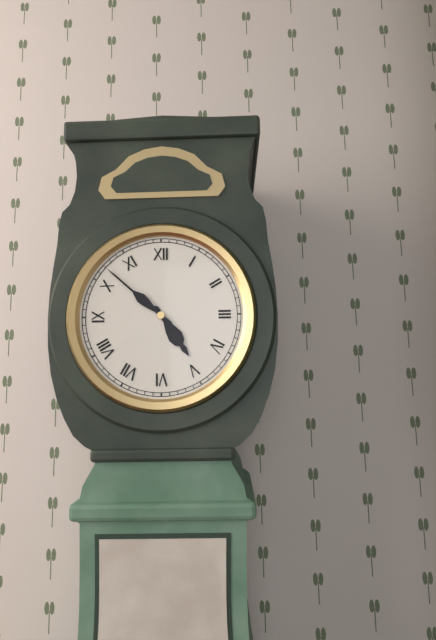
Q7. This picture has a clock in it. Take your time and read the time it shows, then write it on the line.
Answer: 4:52
